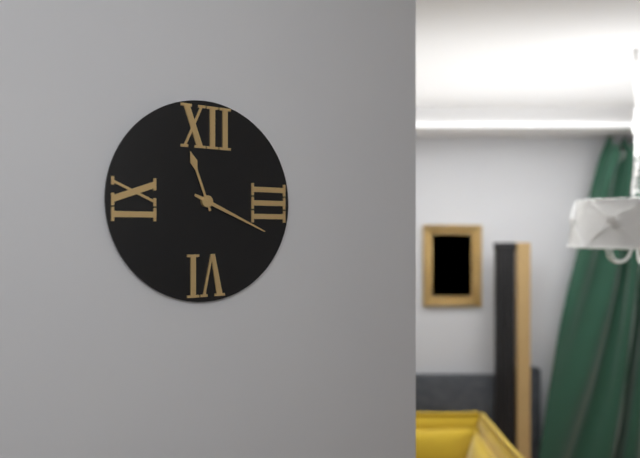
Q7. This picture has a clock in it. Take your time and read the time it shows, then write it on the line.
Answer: 11:19
